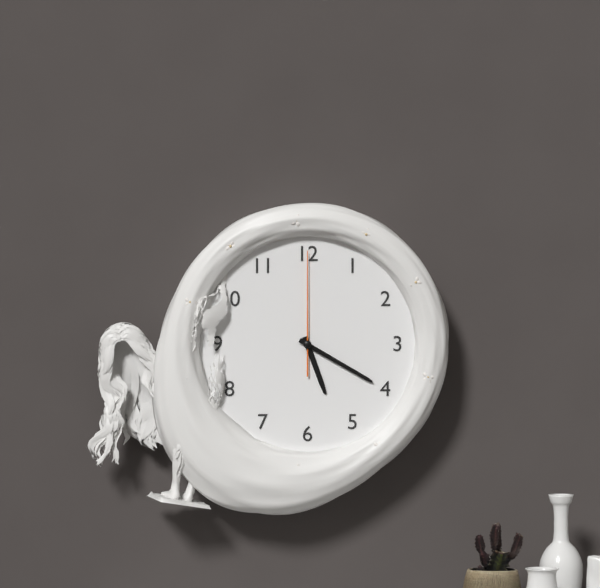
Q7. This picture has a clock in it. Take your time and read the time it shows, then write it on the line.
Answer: 5:20:00
